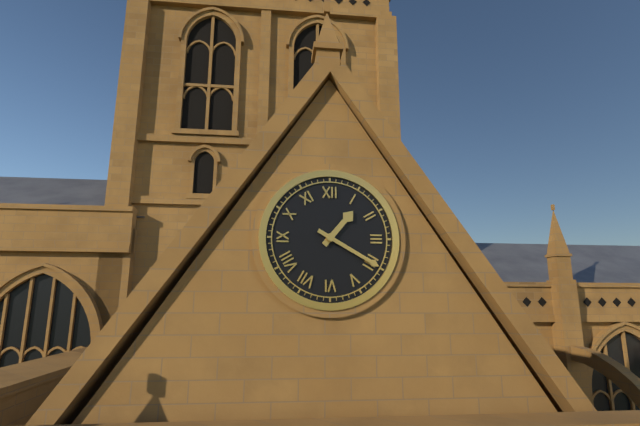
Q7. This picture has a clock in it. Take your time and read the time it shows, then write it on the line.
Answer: 1:20
